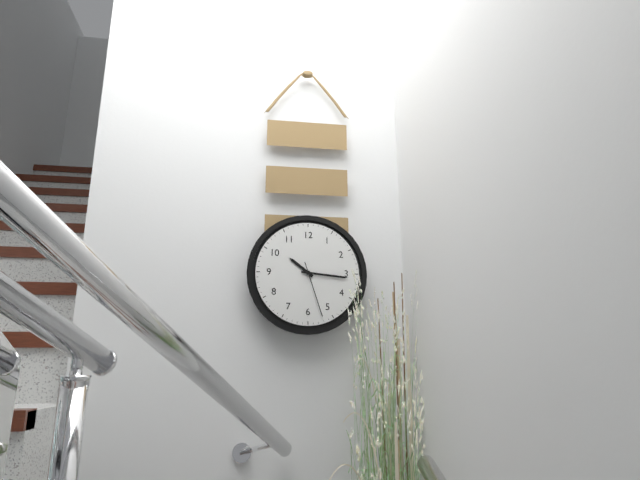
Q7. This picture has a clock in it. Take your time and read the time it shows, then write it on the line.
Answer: 10:16:27
